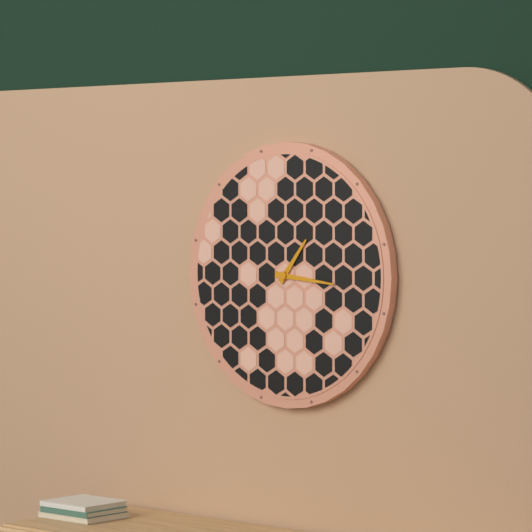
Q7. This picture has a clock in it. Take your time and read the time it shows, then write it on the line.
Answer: 1:16
